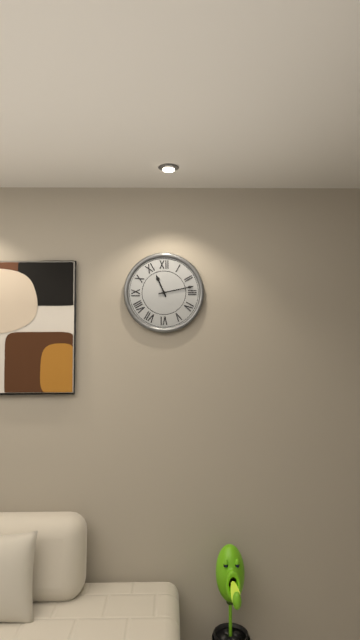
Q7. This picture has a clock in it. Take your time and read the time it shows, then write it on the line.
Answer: 11:13
